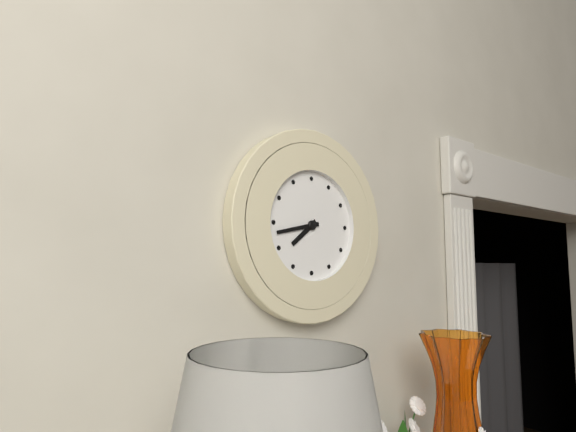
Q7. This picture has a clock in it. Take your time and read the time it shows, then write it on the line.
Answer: 7:43
